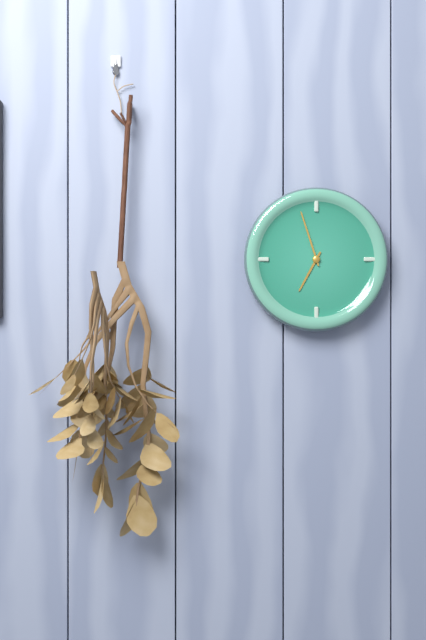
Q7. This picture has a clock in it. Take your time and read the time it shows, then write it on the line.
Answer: 6:57
